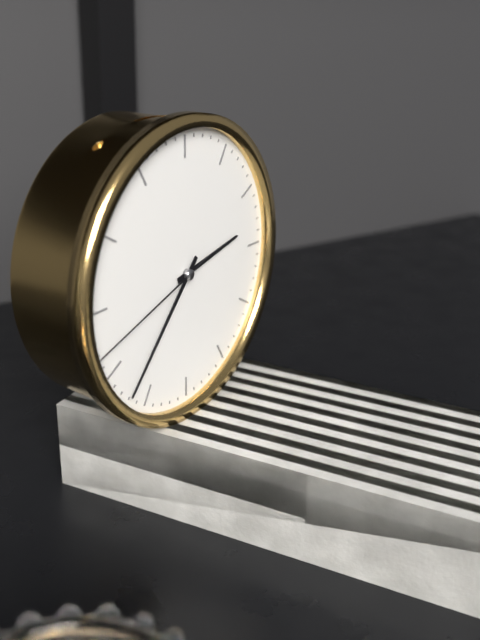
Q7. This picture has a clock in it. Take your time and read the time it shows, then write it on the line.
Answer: 2:37:42
